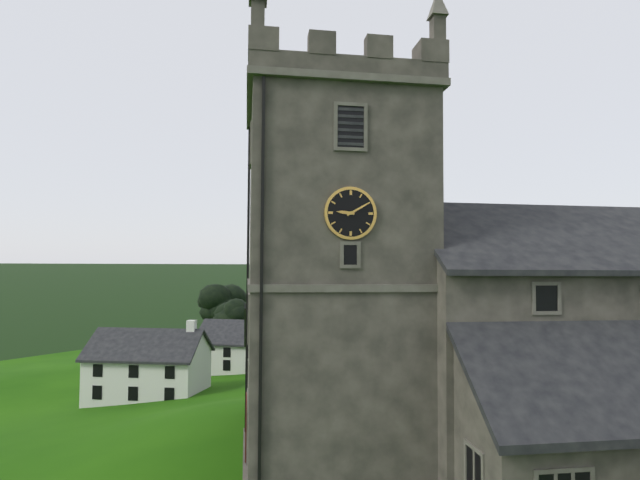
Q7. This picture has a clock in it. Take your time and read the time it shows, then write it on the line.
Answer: 9:10
